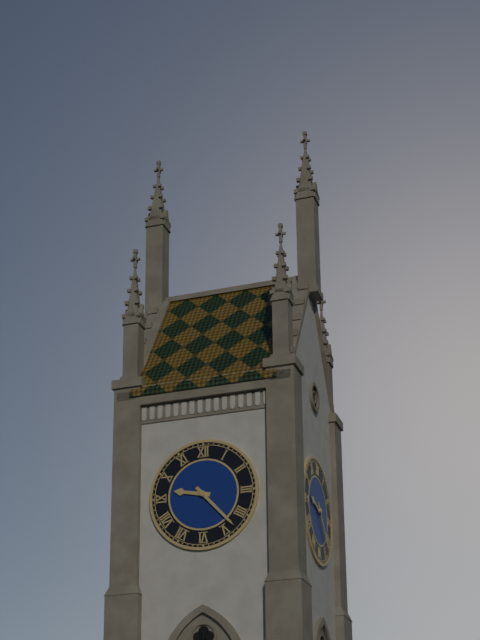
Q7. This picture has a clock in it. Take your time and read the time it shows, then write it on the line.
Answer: 9:23
